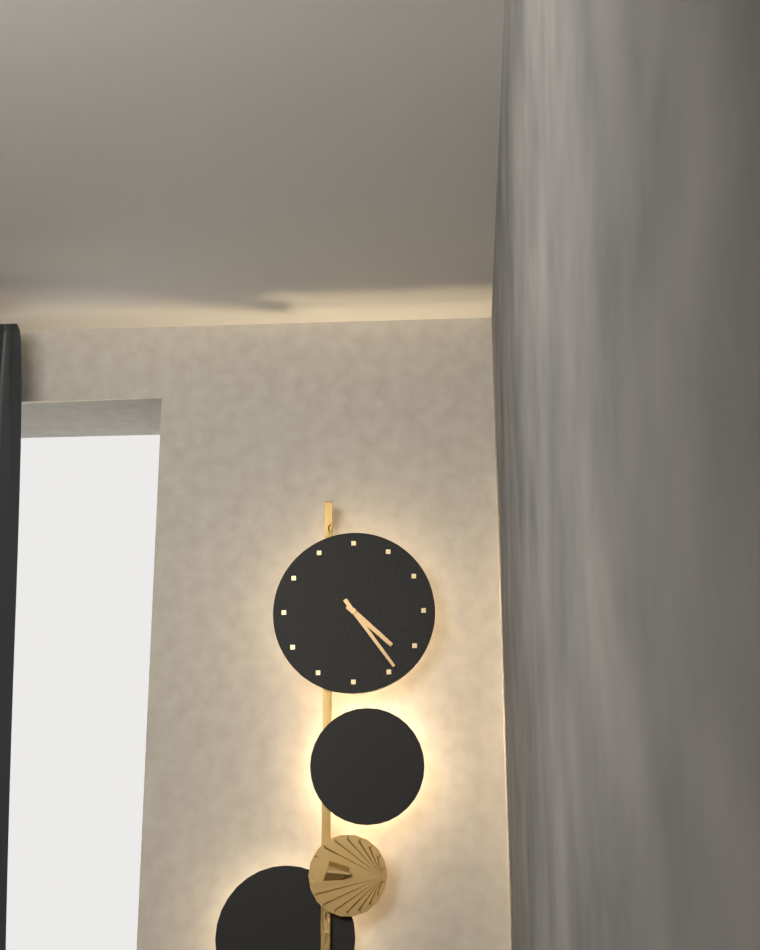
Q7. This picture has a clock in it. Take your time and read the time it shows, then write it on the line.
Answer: 4:24
